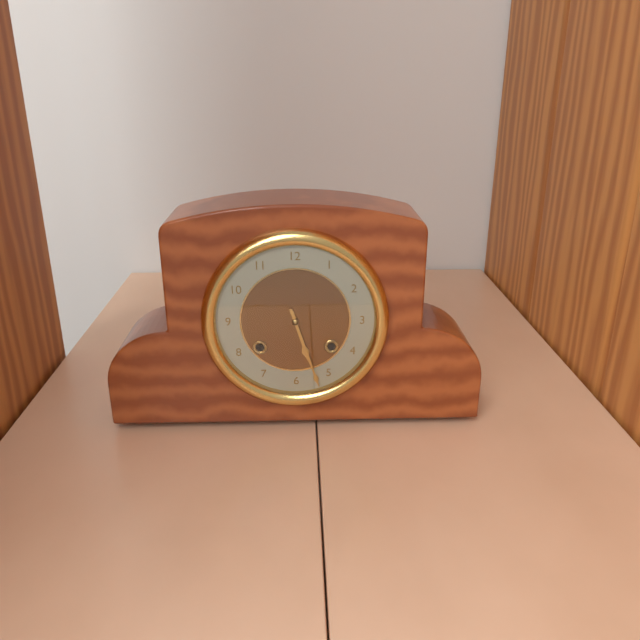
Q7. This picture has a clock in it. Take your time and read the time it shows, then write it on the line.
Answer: 5:27
